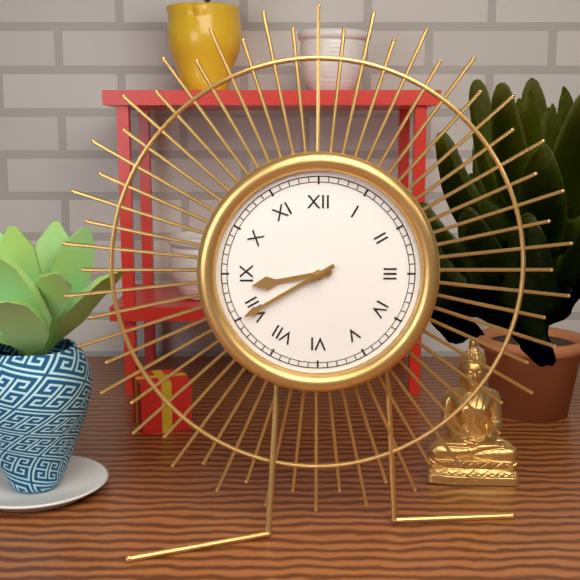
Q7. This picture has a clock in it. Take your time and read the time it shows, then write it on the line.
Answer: 8:40
